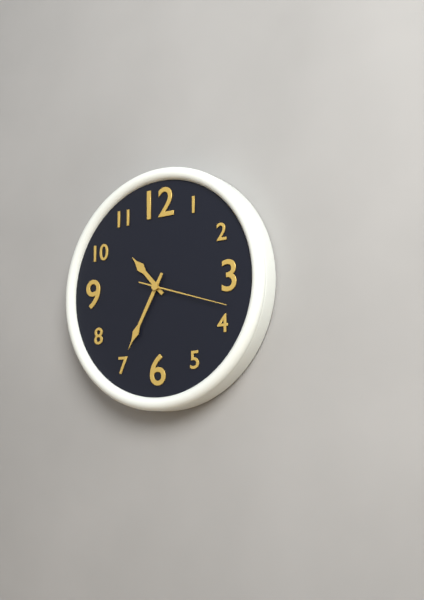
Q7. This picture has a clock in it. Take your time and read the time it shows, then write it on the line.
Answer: 10:35:18
